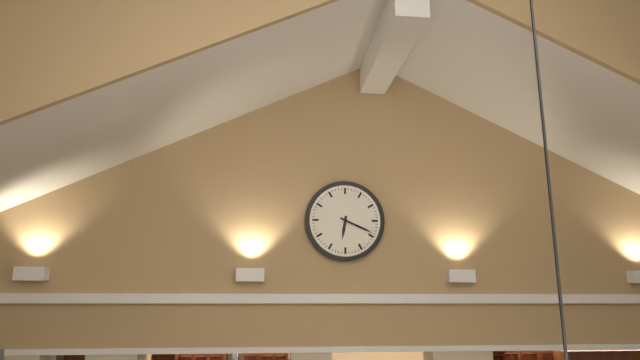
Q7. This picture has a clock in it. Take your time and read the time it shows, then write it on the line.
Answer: 6:19
